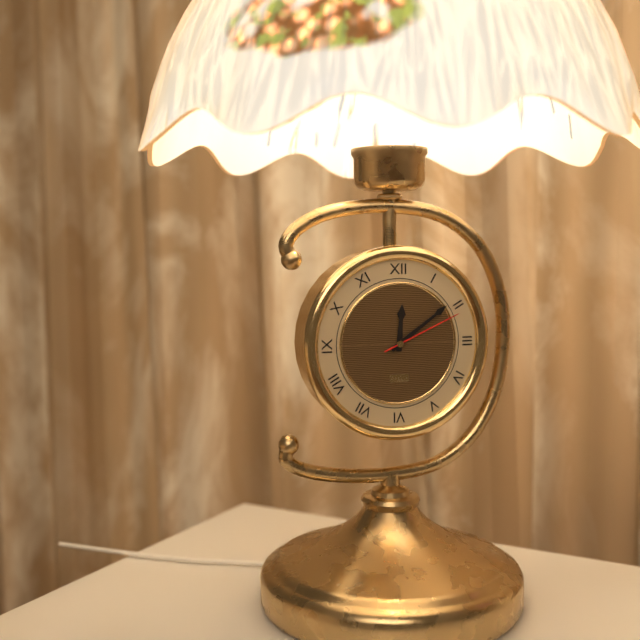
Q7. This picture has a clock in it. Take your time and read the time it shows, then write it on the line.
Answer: 12:09:11
